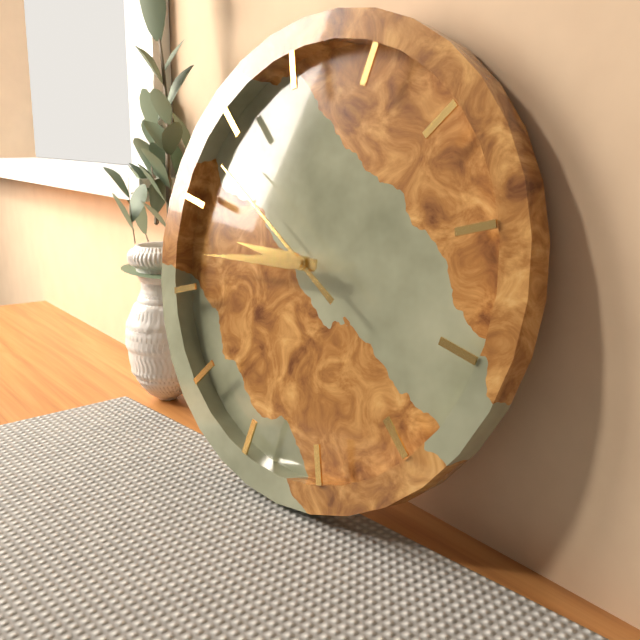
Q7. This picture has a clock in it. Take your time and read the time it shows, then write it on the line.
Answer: 8:42:48
